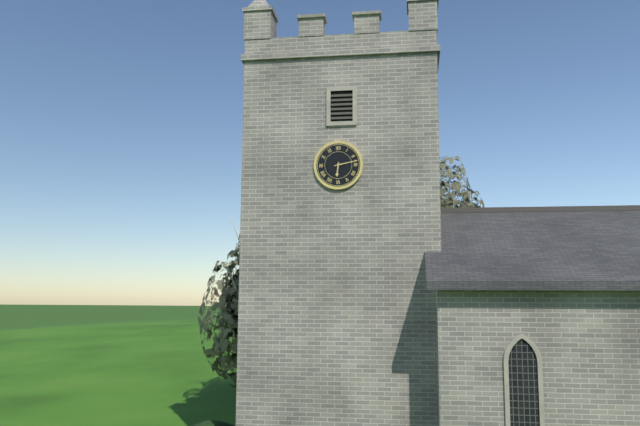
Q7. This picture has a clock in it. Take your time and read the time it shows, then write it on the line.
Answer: 6:13
